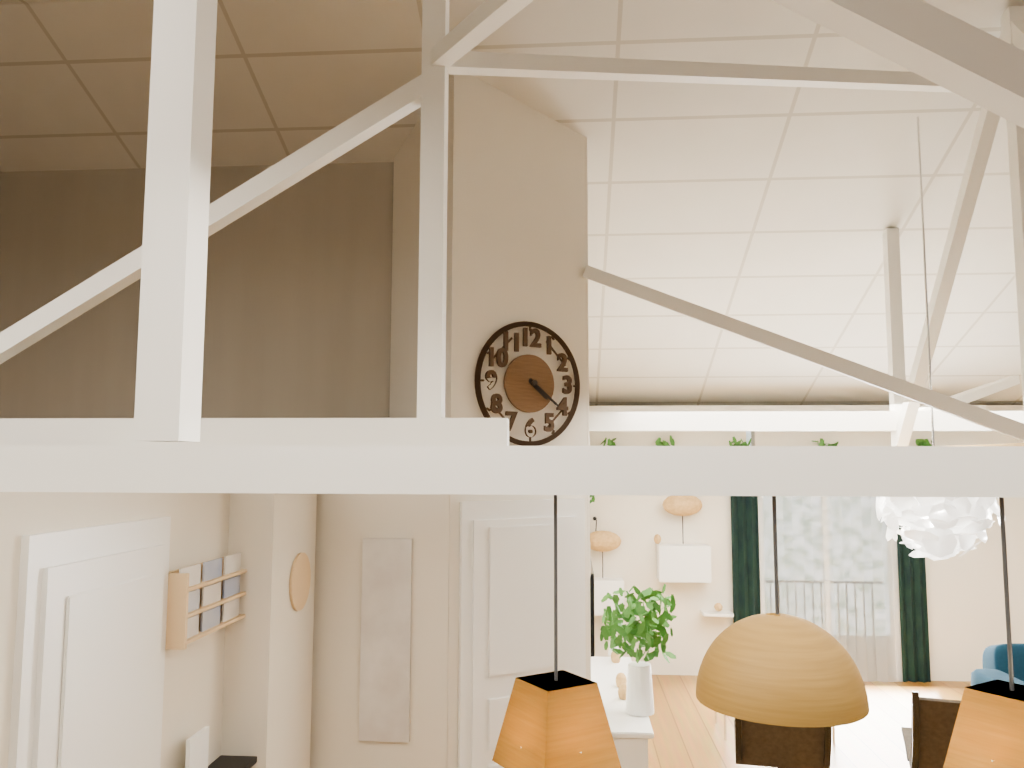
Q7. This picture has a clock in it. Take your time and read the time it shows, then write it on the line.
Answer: 4:21
